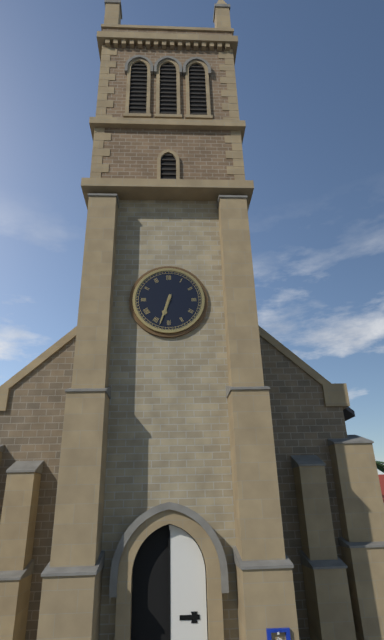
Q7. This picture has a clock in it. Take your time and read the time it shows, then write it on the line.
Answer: 6:33
